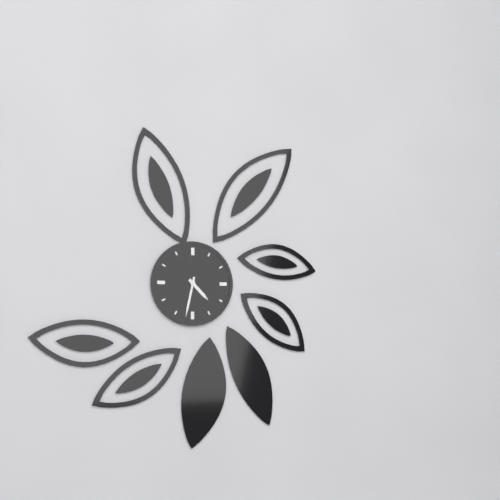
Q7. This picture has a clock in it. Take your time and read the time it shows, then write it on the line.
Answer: 4:32
